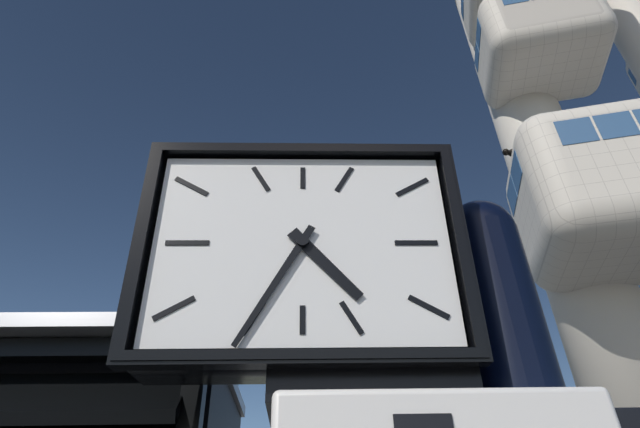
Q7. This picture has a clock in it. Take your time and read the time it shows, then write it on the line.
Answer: 4:35
